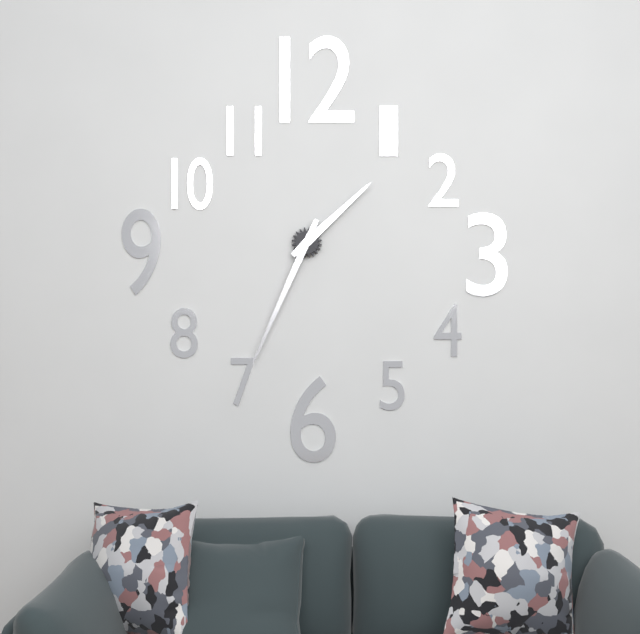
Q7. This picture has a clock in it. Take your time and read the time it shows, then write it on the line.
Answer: 1:34
